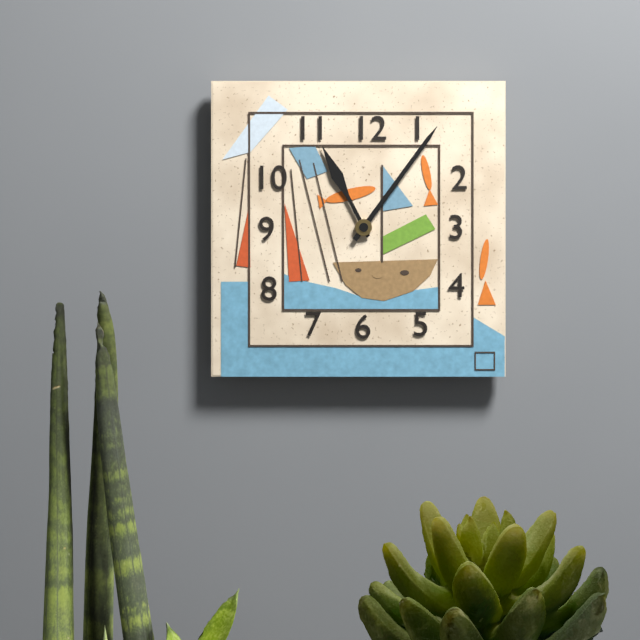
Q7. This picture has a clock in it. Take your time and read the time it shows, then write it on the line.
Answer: 11:06
